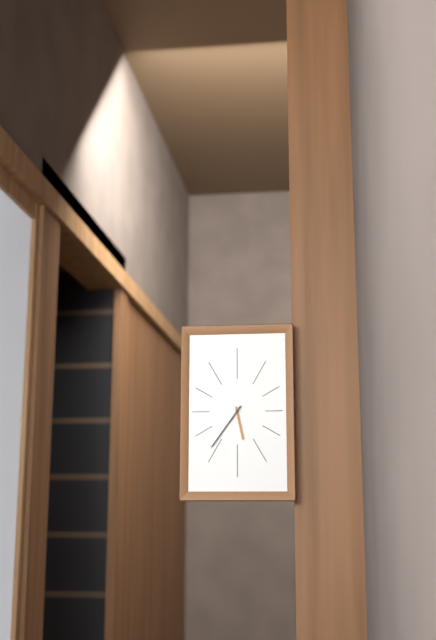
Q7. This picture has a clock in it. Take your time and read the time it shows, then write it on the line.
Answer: 5:36
